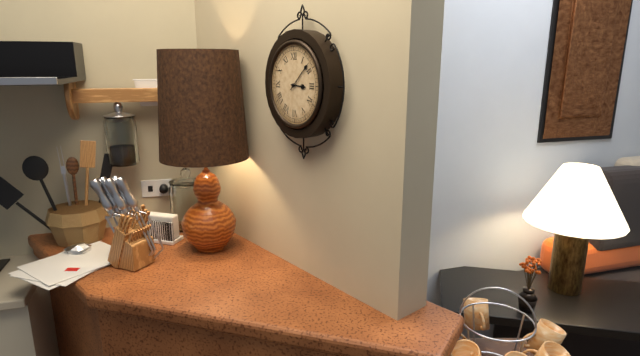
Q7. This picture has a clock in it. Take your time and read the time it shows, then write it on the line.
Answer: 3:08
